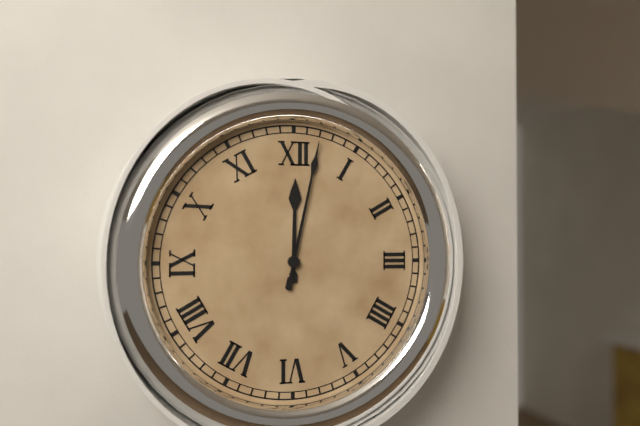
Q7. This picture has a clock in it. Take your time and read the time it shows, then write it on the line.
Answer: 12:02
